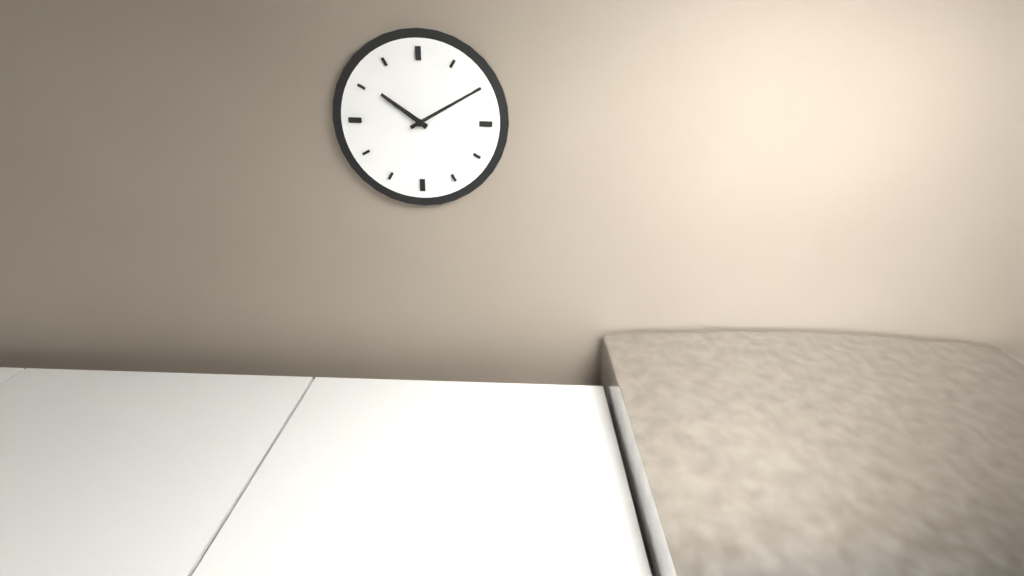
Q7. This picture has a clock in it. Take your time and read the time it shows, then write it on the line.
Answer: 10:10
